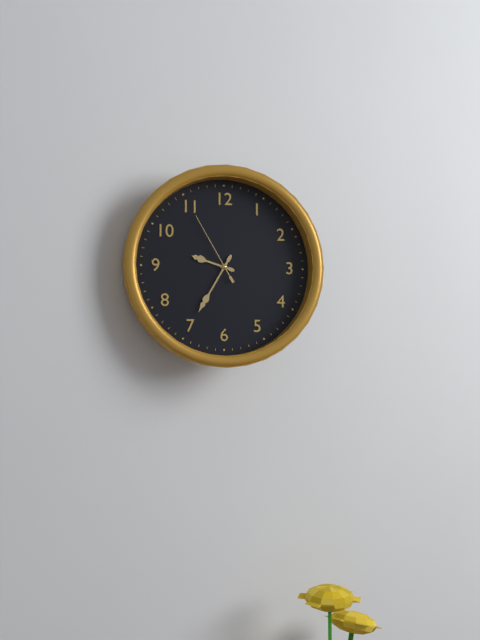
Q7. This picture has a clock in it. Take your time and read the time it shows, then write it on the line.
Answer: 9:35:55
